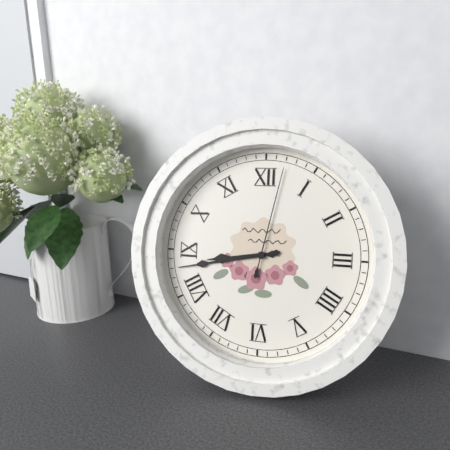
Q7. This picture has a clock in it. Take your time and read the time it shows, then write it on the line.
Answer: 8:43:02
